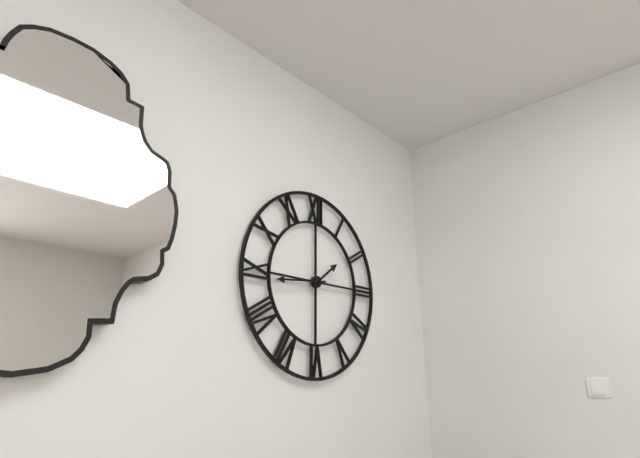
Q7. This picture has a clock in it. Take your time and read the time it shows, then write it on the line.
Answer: 1:44
